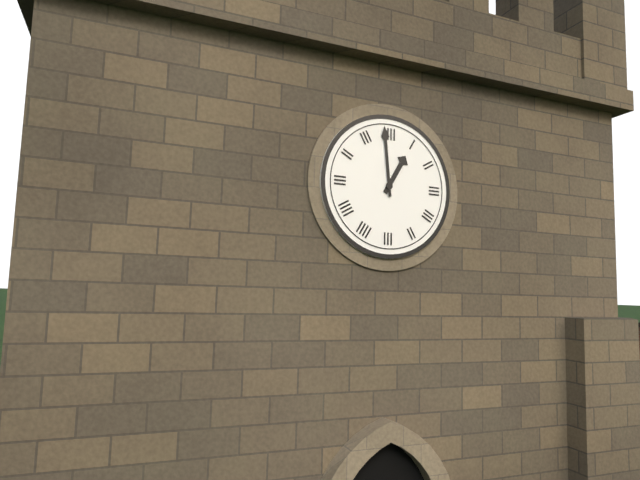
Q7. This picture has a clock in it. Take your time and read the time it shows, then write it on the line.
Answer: 12:59
